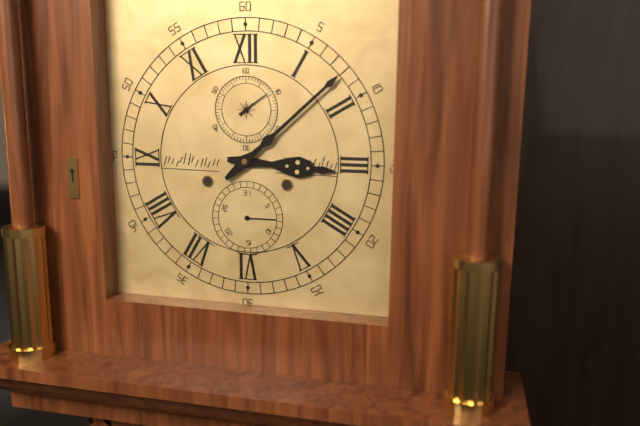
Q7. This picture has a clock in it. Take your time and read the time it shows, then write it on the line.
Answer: 3:08
